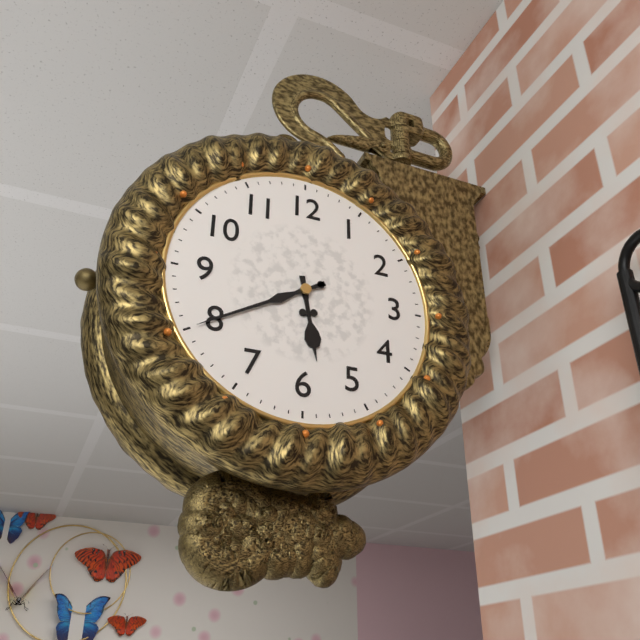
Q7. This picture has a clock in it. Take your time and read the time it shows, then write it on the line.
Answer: 5:40
